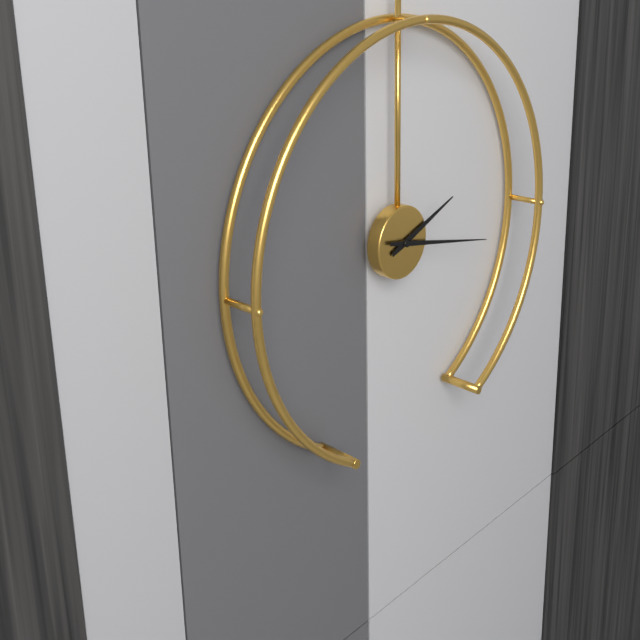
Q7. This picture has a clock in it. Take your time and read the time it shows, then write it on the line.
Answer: 2:17
